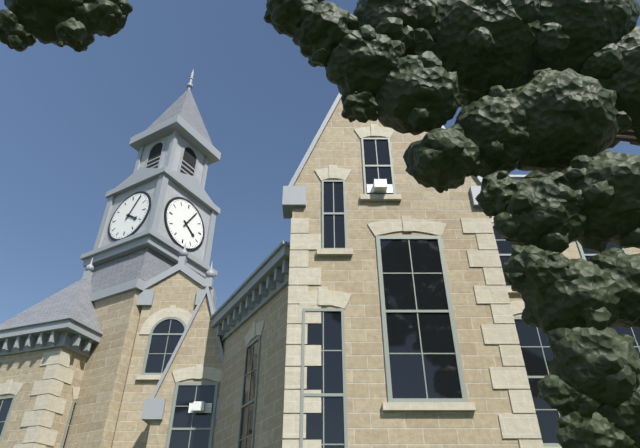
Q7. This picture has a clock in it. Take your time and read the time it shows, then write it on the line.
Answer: 4:05
